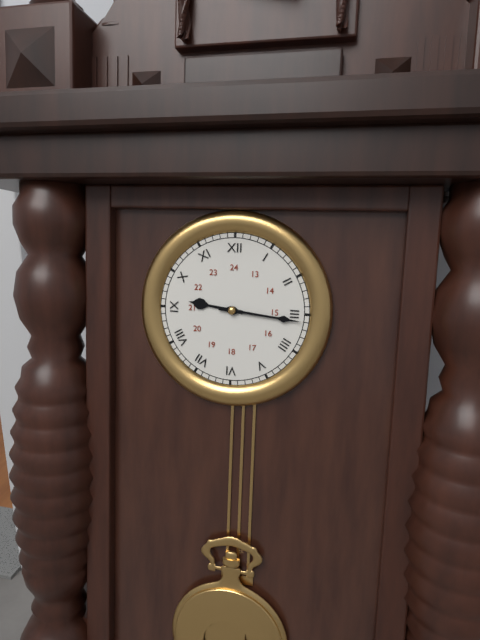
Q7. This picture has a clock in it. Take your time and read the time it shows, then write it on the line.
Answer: 9:16
